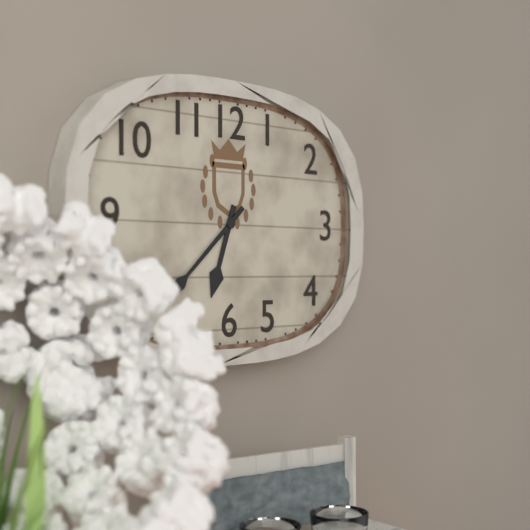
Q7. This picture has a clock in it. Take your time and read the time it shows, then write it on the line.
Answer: 6:38
